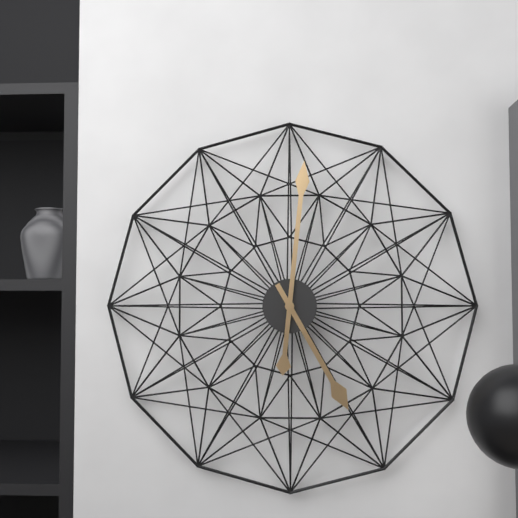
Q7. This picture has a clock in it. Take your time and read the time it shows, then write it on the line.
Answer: 5:01
